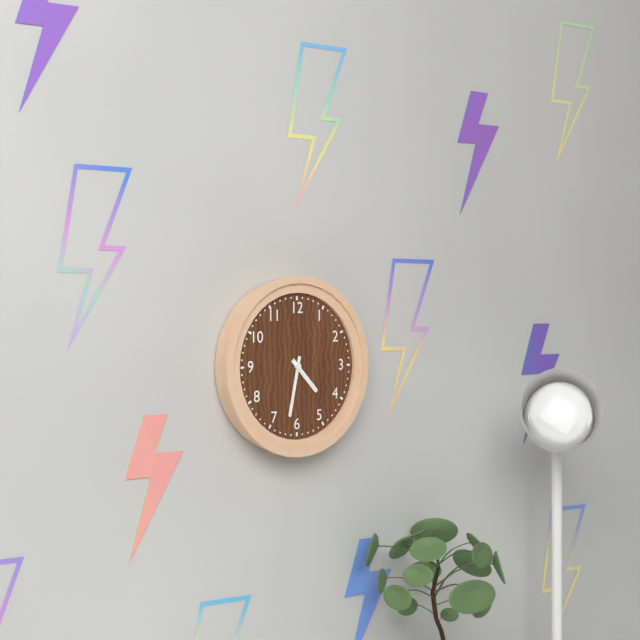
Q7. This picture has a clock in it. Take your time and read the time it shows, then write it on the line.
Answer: 4:32
